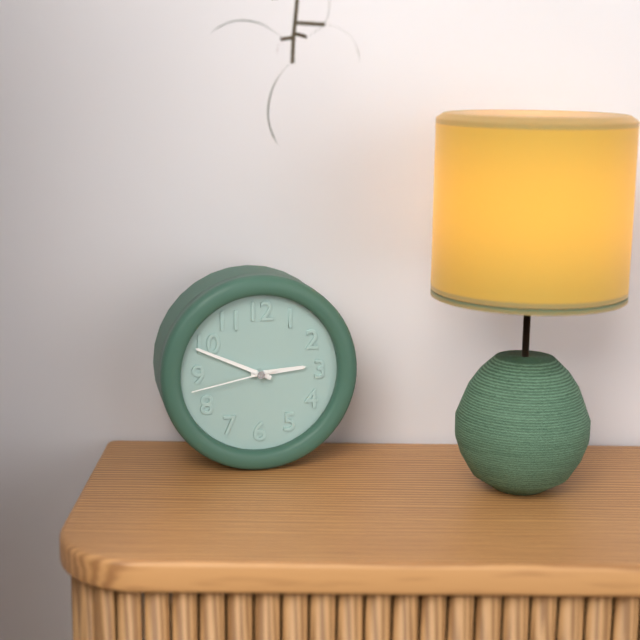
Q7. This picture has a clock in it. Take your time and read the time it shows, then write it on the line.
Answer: 2:49:43
